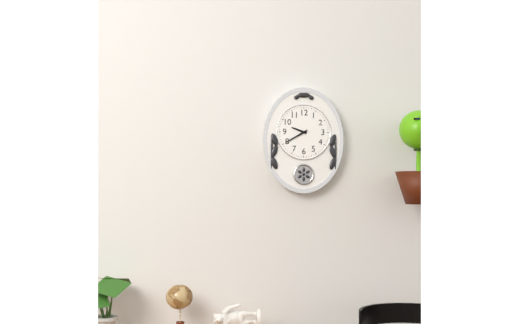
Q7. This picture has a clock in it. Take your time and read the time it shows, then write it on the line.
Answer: 9:40
